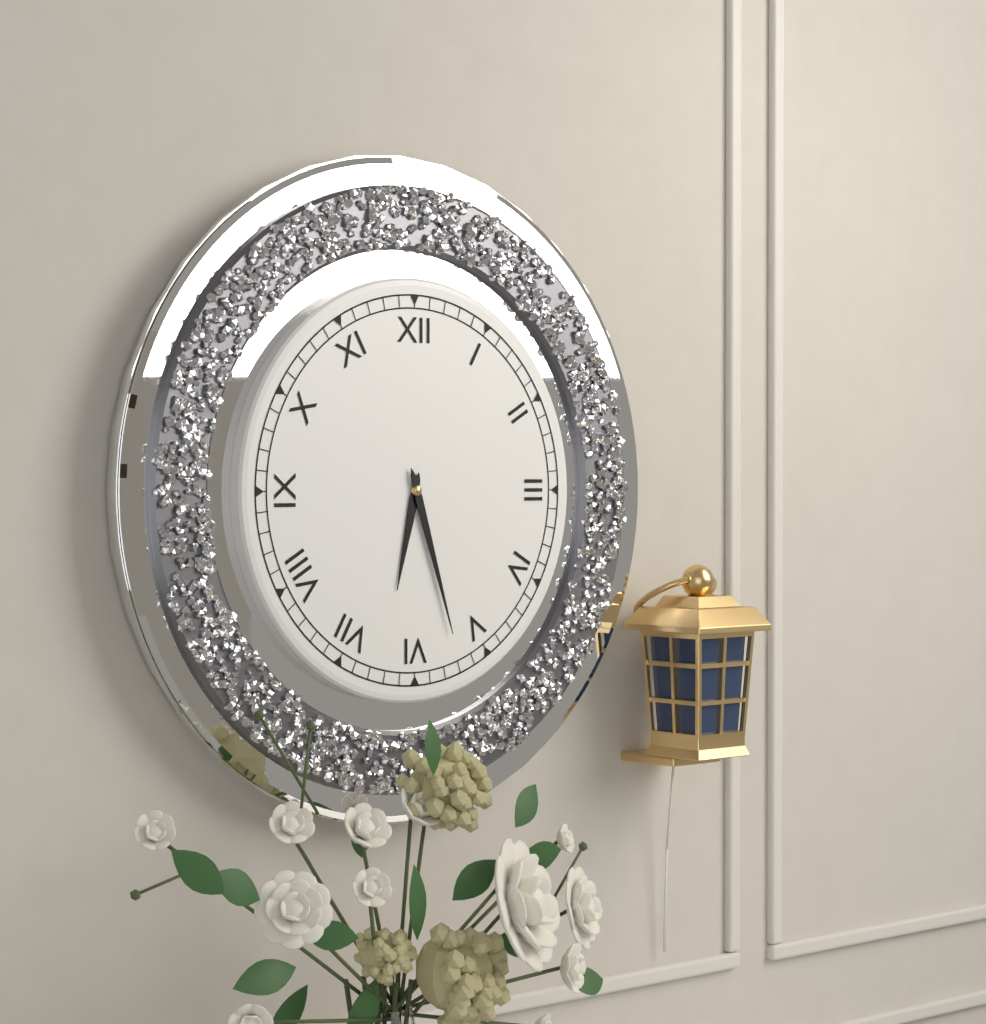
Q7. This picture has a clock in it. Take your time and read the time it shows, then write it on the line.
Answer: 6:27
